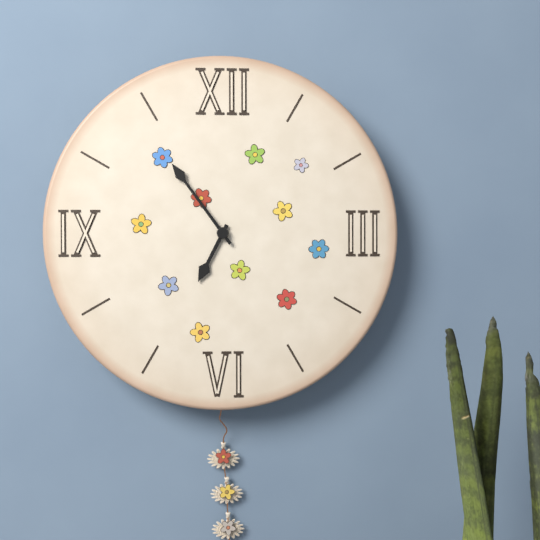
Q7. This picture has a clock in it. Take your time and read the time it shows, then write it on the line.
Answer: 6:54
